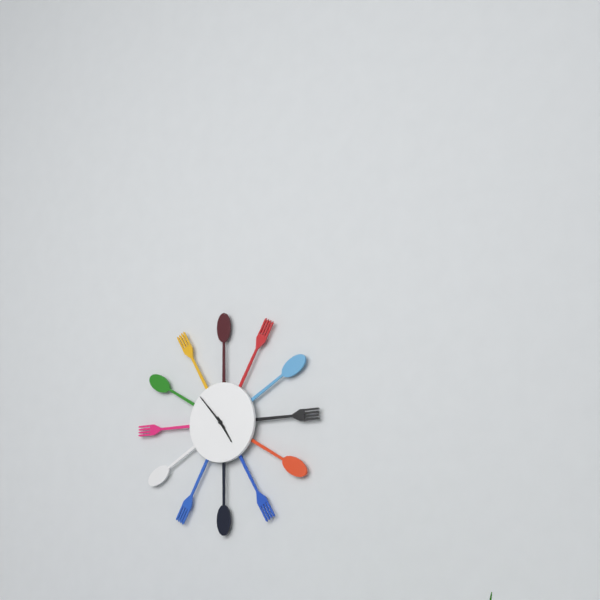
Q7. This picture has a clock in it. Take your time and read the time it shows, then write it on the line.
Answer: 4:53
